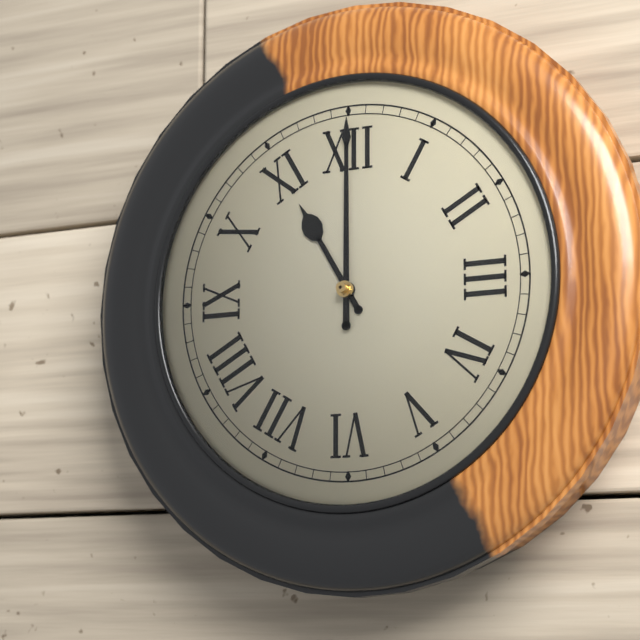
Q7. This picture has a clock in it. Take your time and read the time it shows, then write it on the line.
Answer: 11:00
